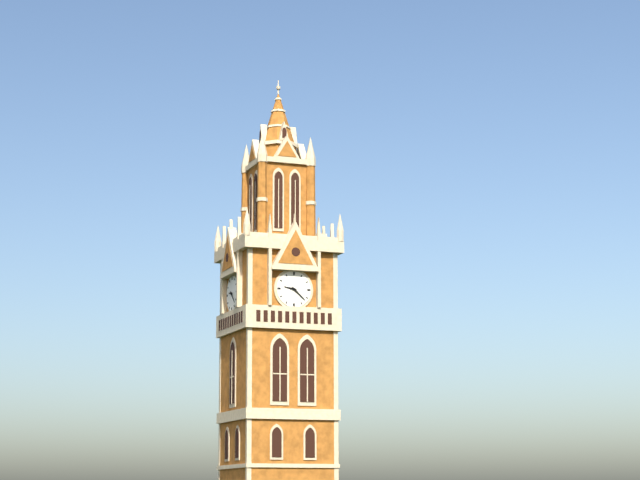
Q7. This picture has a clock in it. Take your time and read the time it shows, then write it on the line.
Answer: 9:22
